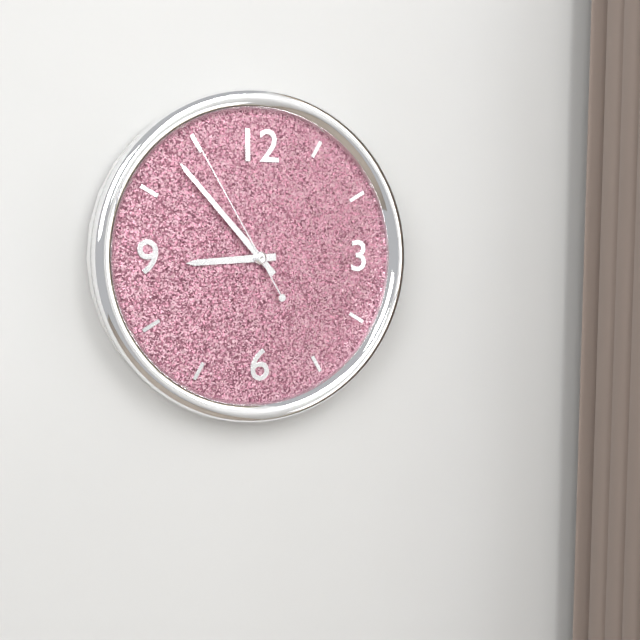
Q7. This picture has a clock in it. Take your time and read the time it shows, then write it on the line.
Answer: 8:53:55
